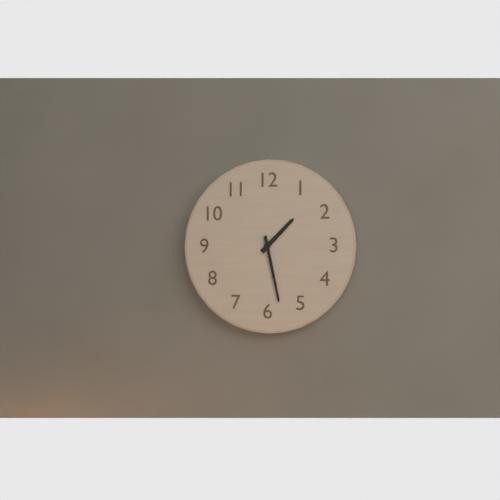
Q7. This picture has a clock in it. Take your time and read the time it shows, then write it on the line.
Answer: 1:28
